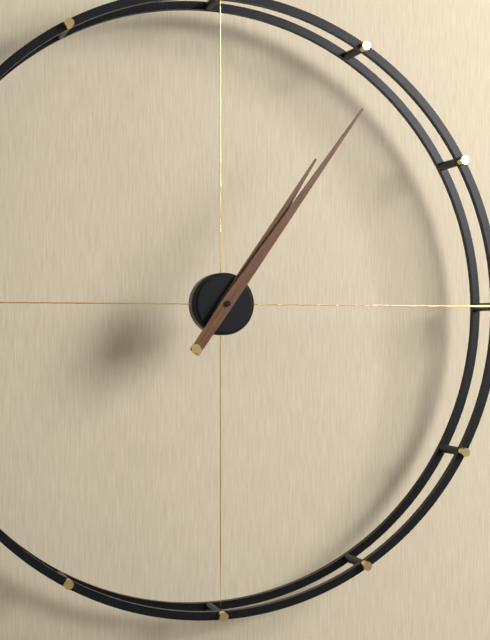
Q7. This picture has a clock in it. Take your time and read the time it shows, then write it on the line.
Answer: 1:06
